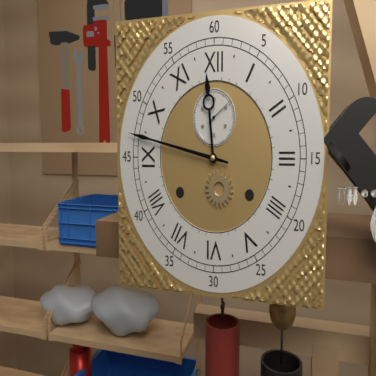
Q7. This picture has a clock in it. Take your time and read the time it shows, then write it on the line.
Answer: 11:47
